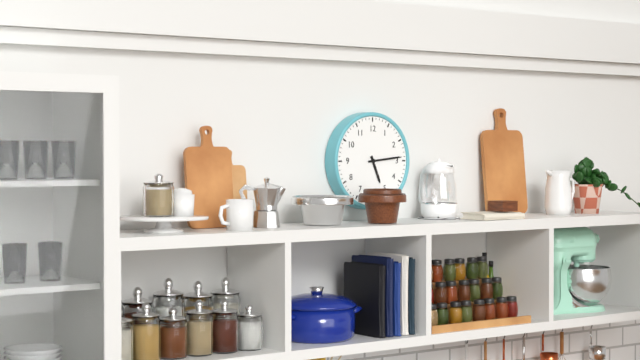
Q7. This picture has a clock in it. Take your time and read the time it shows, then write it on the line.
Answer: 5:14
